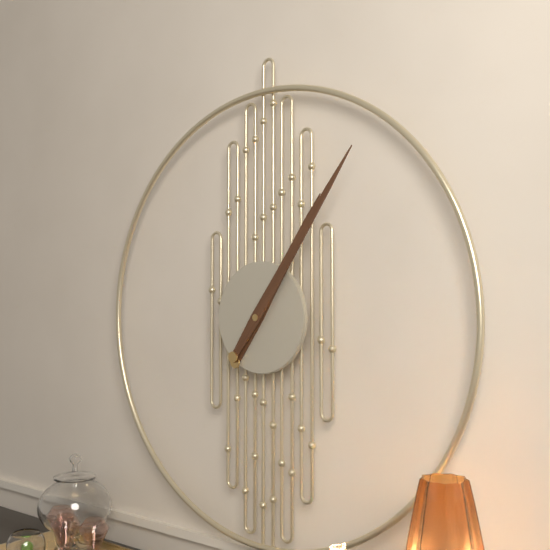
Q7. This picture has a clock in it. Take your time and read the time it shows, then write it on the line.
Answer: 1:06
